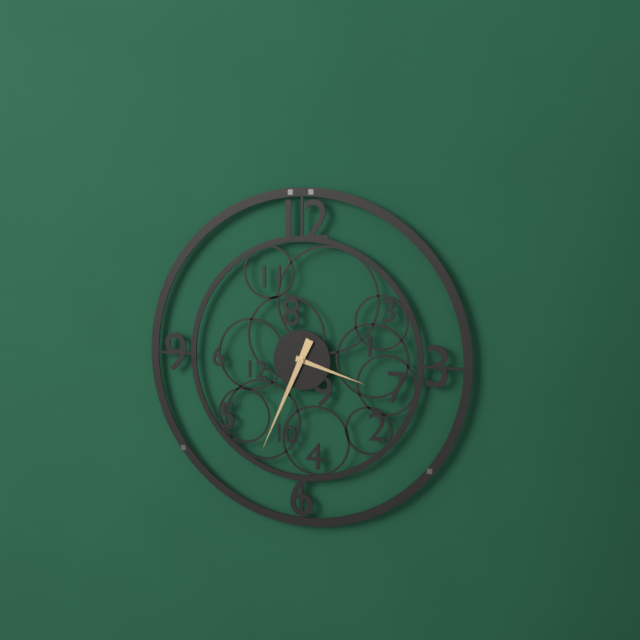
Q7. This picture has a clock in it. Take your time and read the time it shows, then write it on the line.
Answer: 3:34
